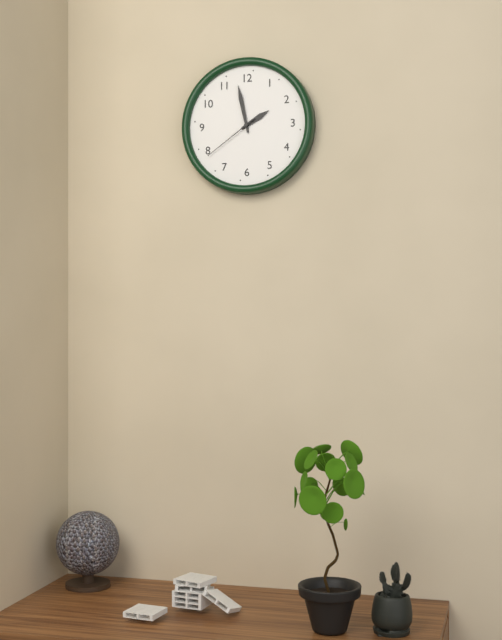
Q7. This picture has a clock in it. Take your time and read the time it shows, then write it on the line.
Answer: 1:58:39
